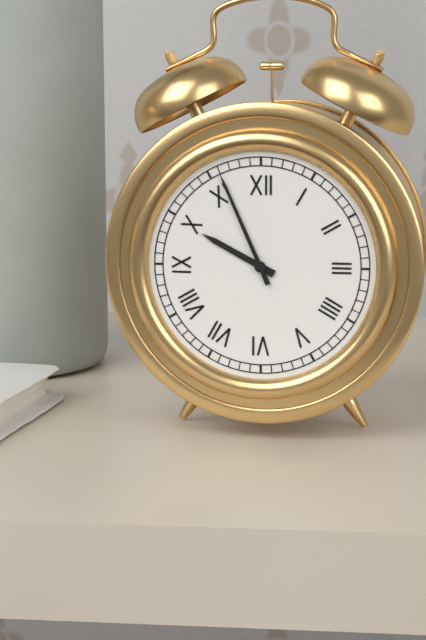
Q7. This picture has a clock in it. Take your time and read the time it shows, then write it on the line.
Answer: 9:56
